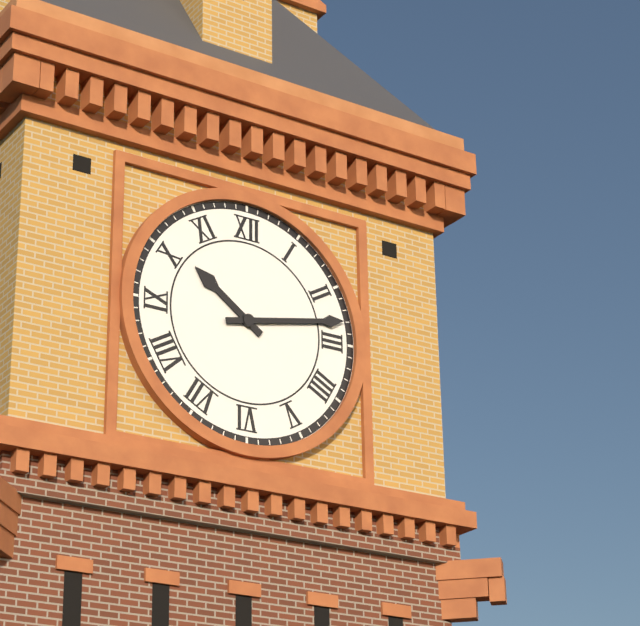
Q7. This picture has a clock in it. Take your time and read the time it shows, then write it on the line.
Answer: 10:13
